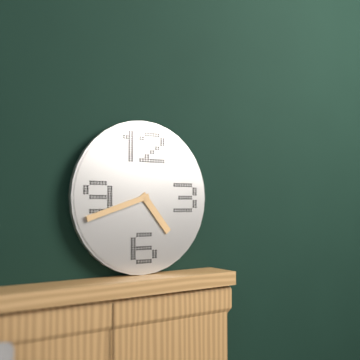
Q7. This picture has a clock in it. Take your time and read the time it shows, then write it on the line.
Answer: 4:42
